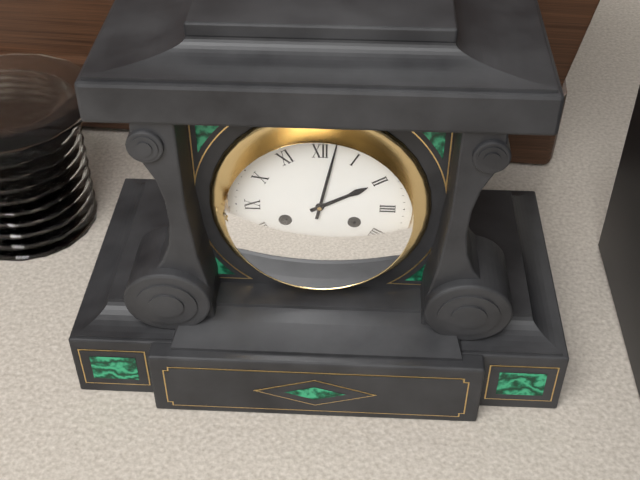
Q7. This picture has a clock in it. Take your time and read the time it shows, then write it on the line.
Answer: 2:02
